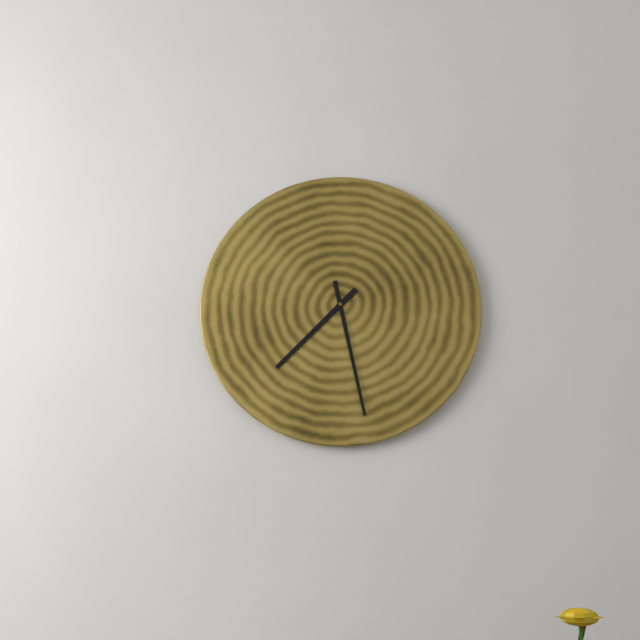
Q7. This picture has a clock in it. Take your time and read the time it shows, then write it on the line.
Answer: 7:28
